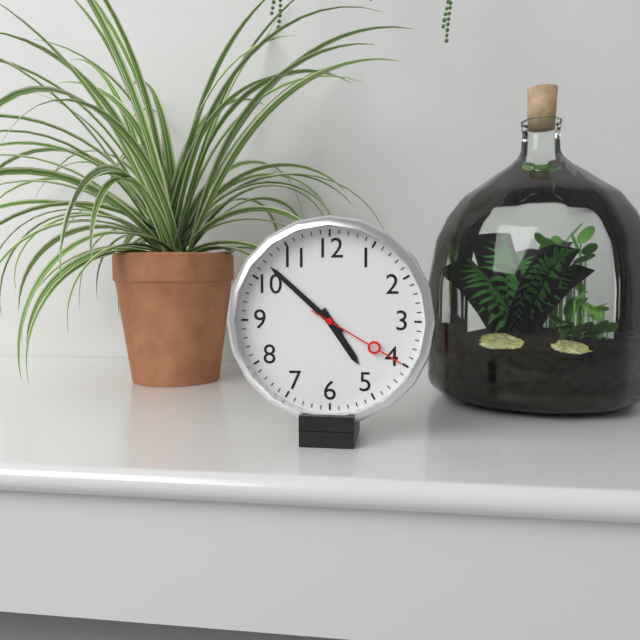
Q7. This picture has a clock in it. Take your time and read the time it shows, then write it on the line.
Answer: 4:52:20
